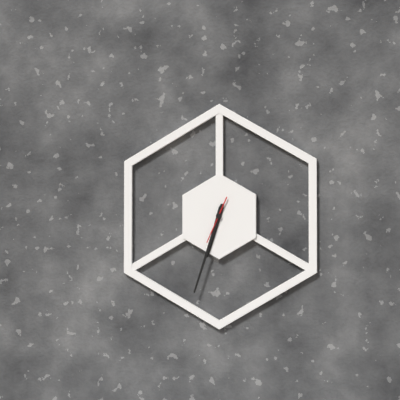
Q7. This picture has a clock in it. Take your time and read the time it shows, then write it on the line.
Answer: 6:33
